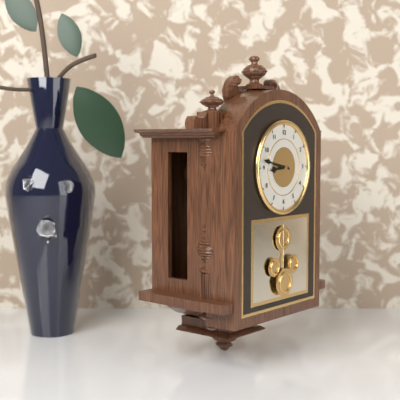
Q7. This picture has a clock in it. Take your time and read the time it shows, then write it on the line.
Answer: 8:47
